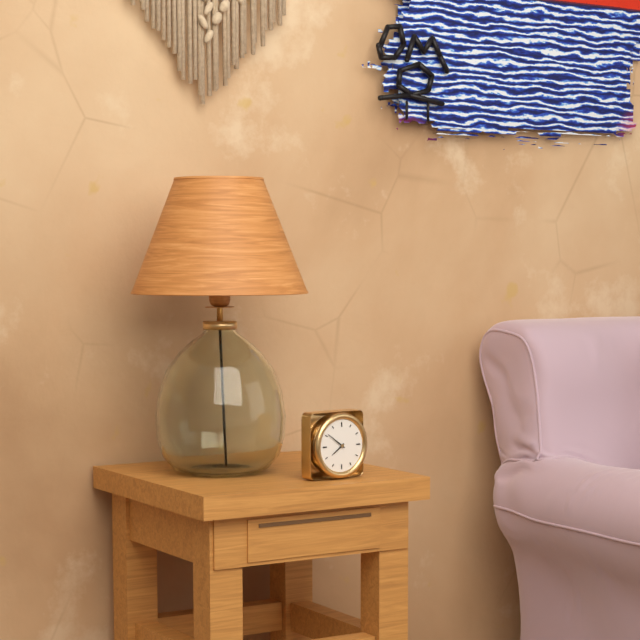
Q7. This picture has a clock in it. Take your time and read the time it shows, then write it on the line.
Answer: 7:51
